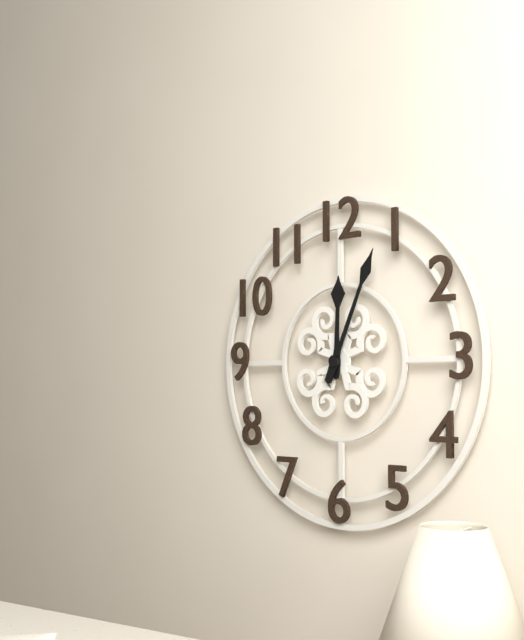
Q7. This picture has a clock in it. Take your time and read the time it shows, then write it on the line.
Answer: 12:04
